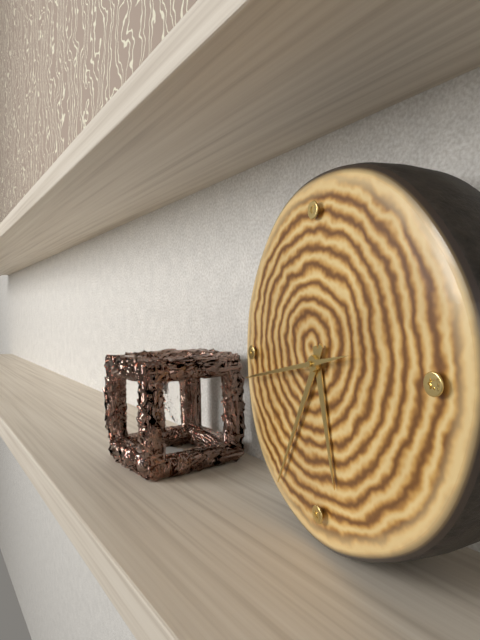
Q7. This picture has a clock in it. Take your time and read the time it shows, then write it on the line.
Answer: 5:35:43
